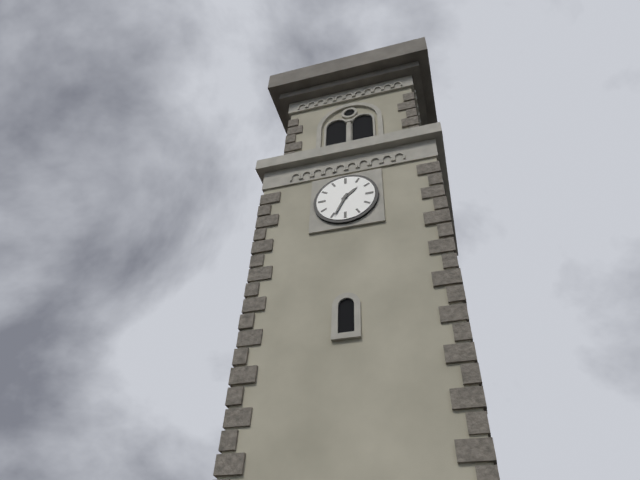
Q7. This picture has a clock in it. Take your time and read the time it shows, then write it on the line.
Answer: 1:34
